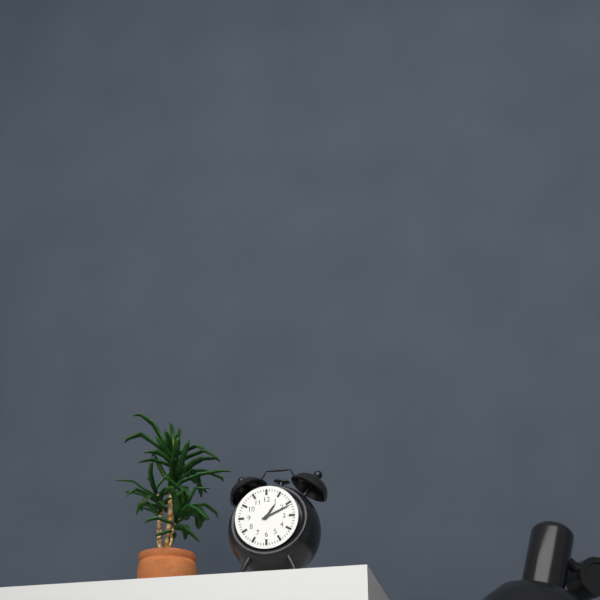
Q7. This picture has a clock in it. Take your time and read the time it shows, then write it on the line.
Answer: 1:11
